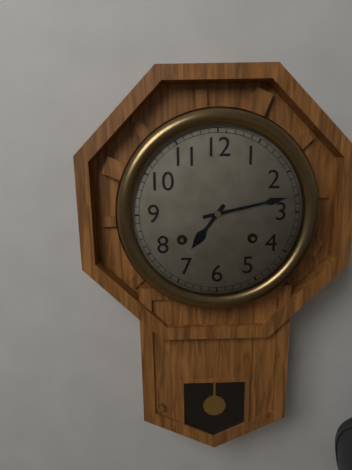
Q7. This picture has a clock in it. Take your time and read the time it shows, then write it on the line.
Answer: 7:13
